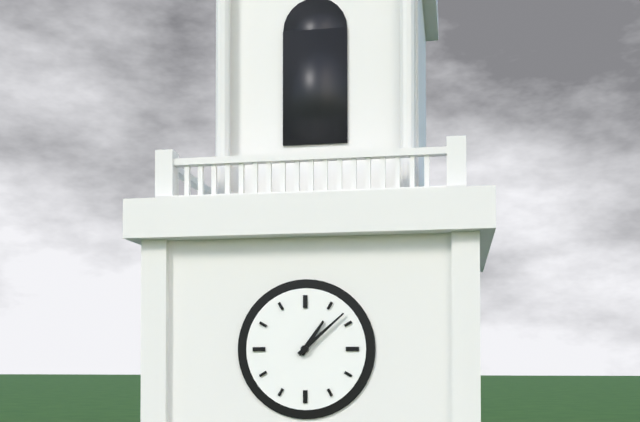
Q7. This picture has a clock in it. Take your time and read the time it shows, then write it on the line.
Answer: 1:08
